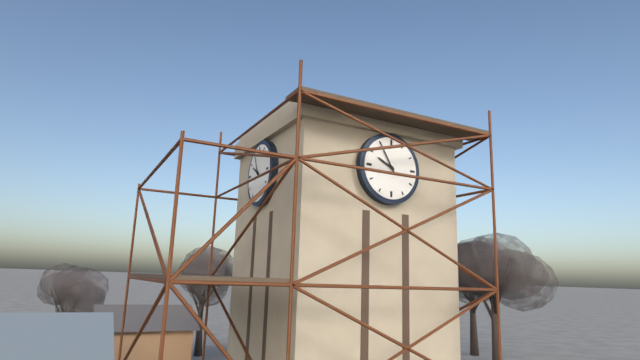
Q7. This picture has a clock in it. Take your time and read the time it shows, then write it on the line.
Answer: 9:55
